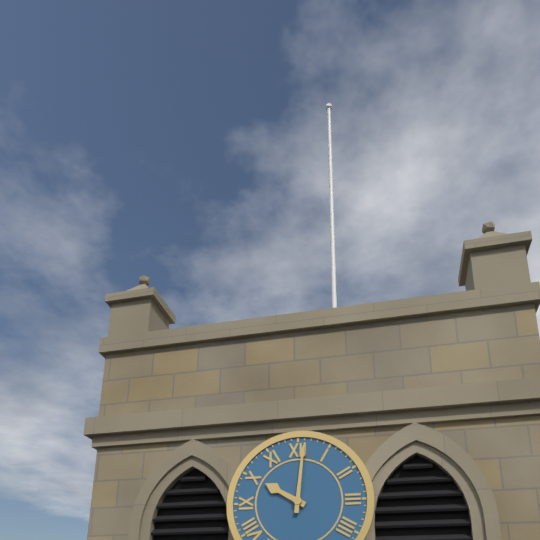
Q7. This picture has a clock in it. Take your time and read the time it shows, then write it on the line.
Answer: 10:01
